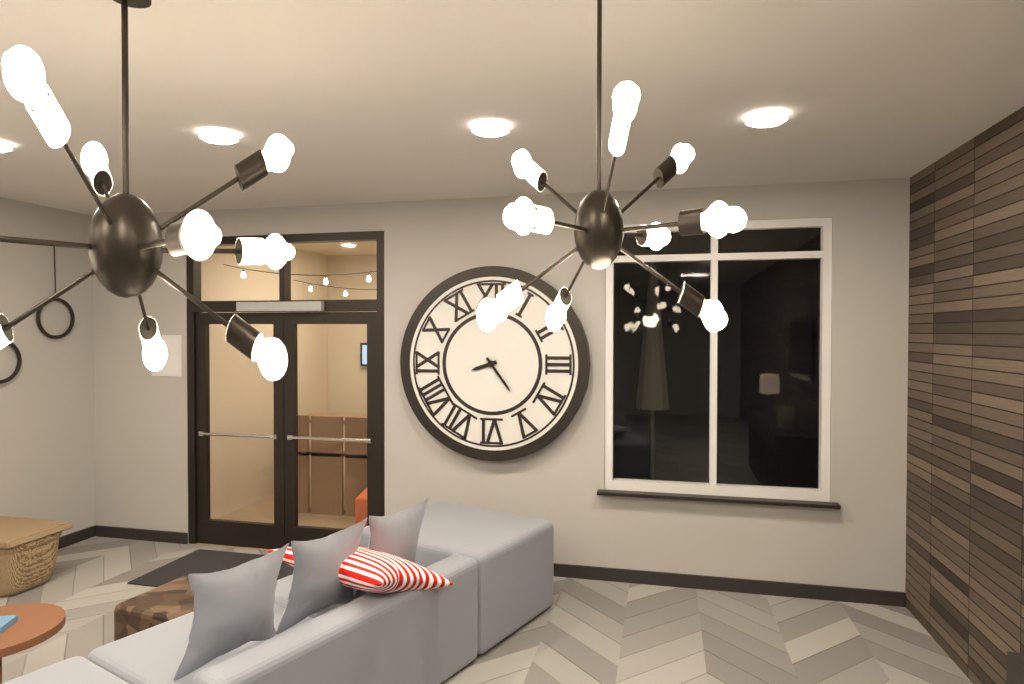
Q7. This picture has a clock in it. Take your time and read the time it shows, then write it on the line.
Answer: 8:24
